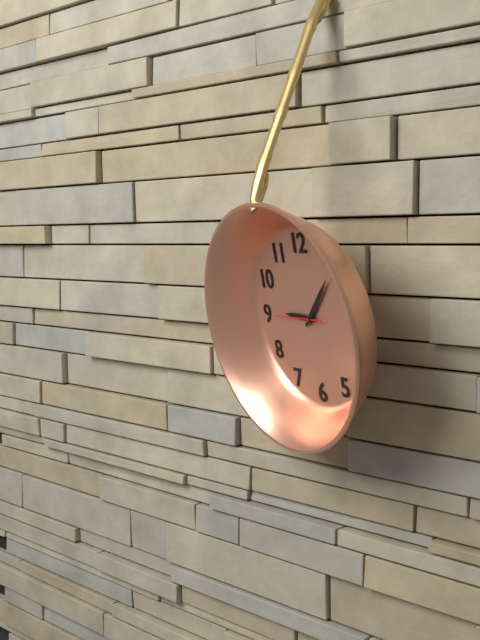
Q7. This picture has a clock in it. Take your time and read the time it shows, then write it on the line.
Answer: 9:07
